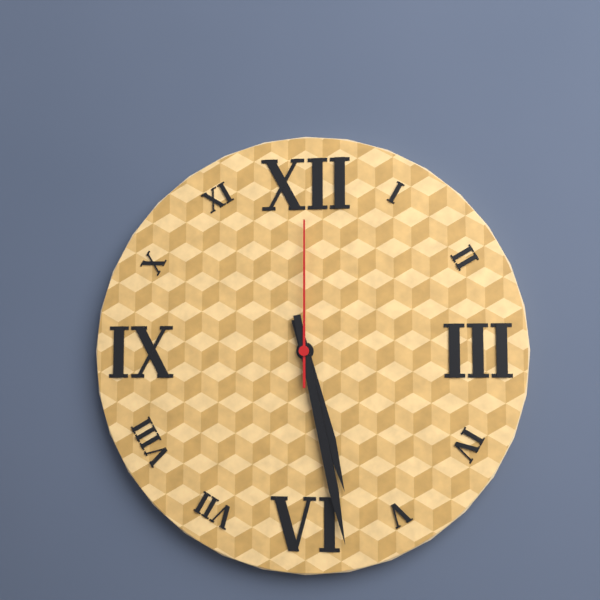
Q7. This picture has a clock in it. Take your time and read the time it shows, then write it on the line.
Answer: 5:28:00
